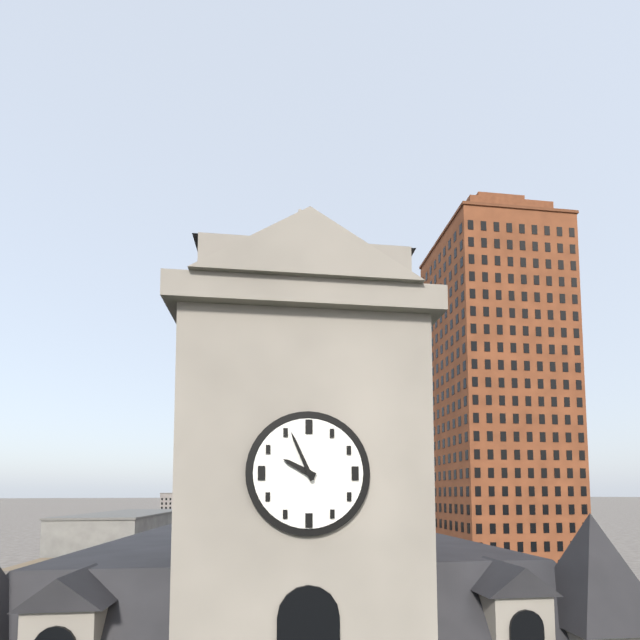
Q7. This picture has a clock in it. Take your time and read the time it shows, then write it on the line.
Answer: 9:56
